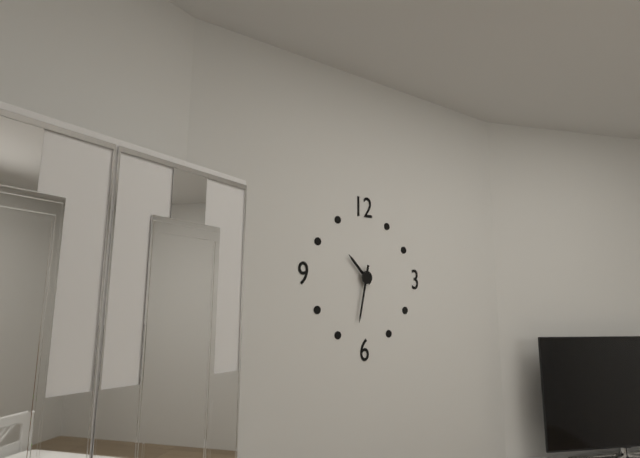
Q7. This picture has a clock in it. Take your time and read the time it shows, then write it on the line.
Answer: 10:32
